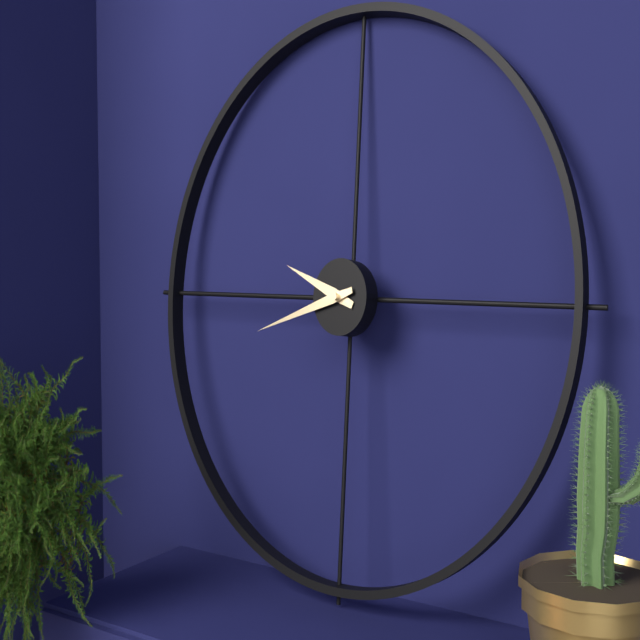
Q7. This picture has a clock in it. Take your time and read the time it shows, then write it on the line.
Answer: 9:42
